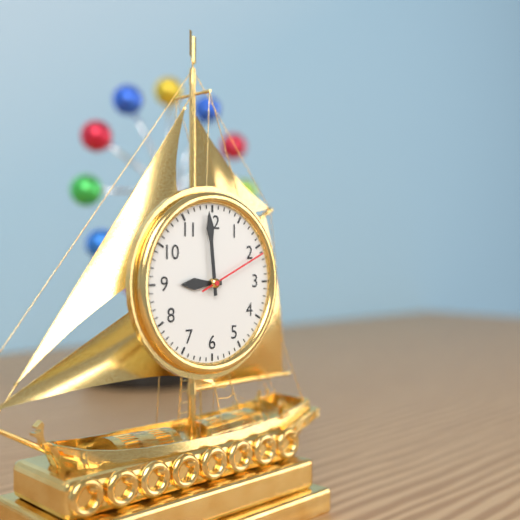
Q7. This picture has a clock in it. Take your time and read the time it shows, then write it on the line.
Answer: 8:59:11
